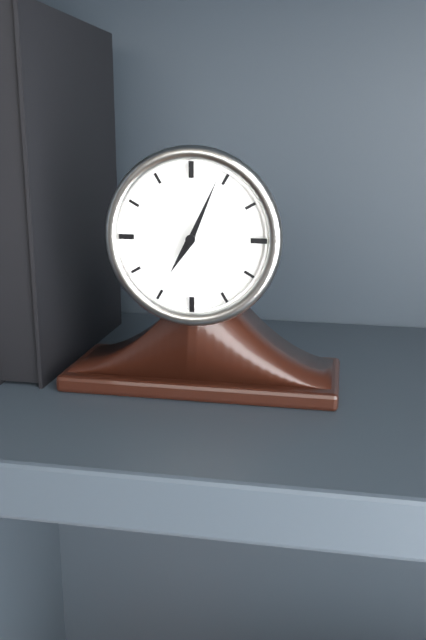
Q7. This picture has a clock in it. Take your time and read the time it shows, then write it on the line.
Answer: 7:04
